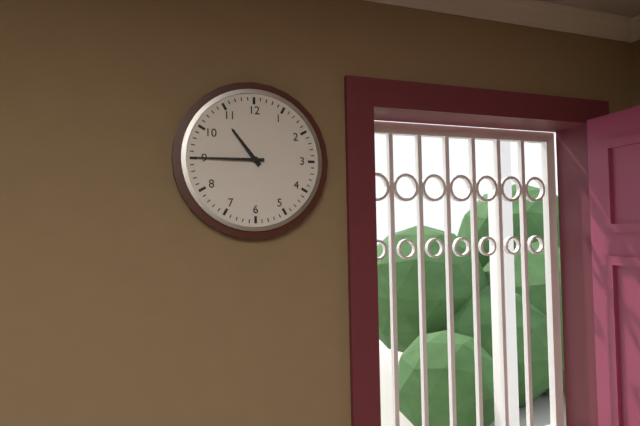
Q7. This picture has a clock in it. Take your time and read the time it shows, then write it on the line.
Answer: 10:45
